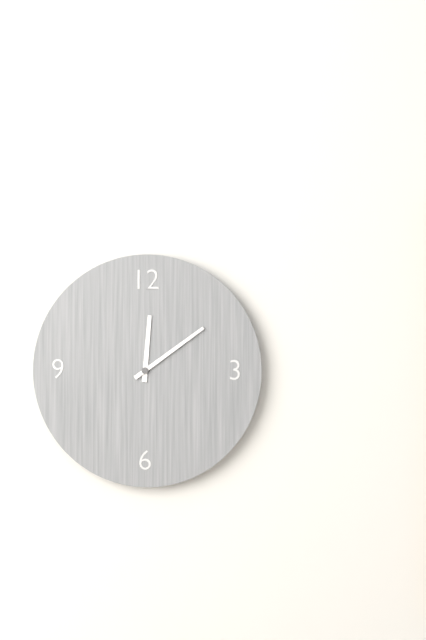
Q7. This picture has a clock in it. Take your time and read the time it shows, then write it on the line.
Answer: 12:09
